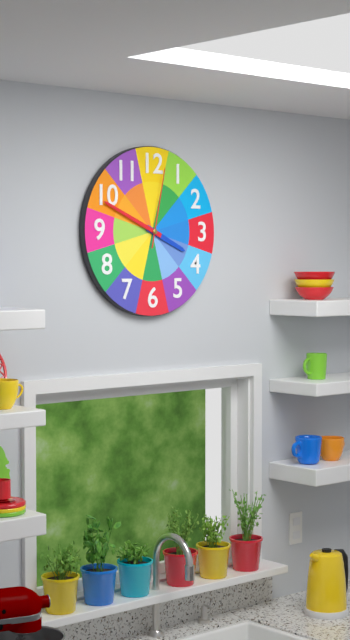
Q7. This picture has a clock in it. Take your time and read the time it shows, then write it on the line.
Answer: 3:49:02
